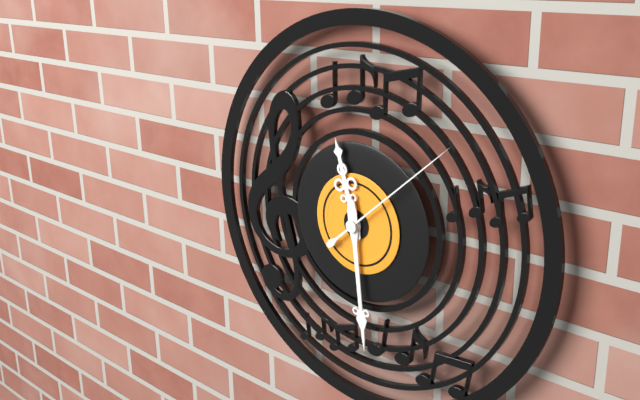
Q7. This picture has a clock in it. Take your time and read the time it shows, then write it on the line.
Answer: 11:29:08
